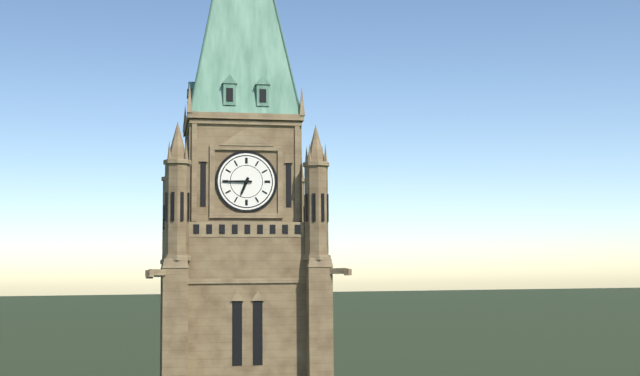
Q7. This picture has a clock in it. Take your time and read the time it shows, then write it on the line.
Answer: 6:45
